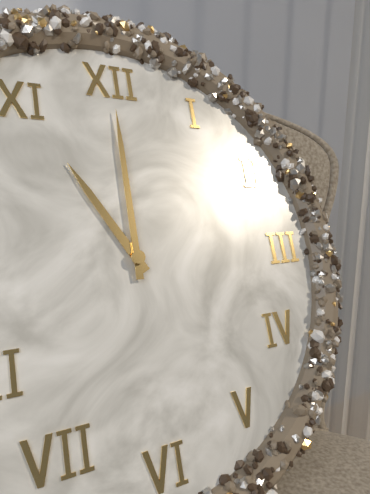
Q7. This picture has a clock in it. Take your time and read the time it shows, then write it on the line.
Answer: 11:00
